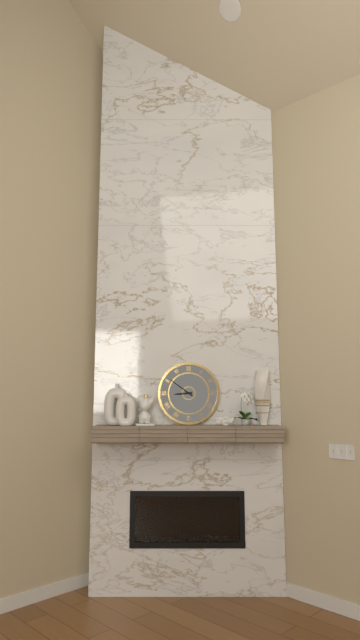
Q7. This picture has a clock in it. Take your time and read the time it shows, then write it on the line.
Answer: 8:51
